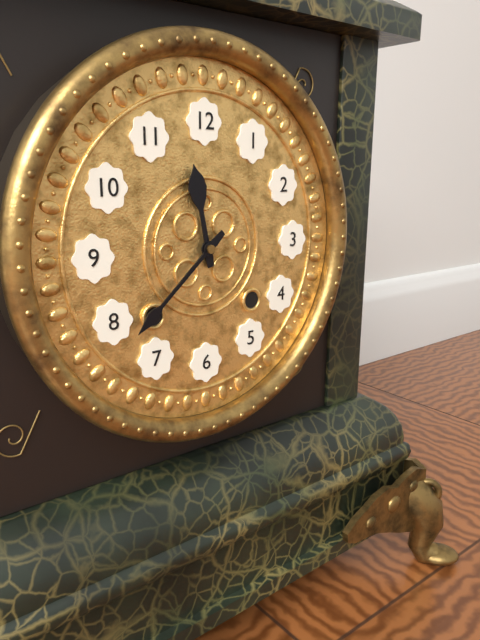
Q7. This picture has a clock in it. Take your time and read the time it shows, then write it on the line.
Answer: 11:38
